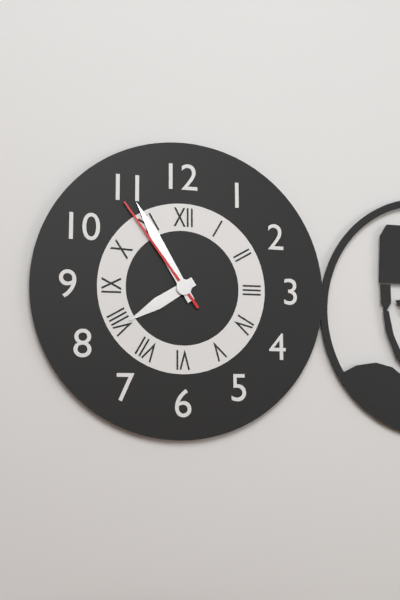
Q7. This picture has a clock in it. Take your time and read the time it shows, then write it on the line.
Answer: 7:55:54
